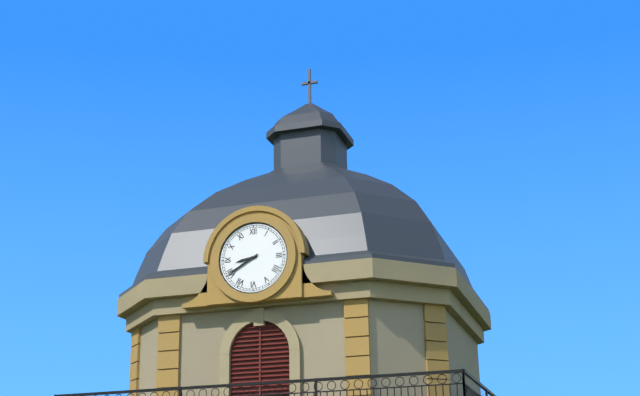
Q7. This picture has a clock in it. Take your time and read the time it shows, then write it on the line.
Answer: 8:40
